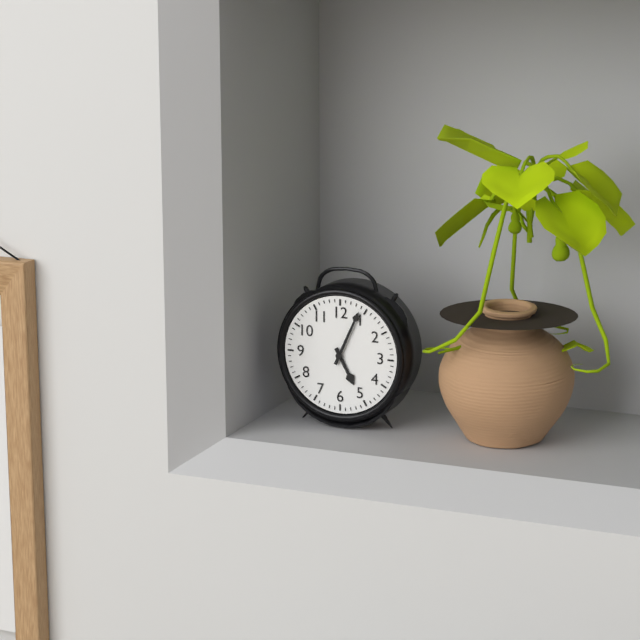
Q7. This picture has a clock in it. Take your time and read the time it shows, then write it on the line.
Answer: 5:04
